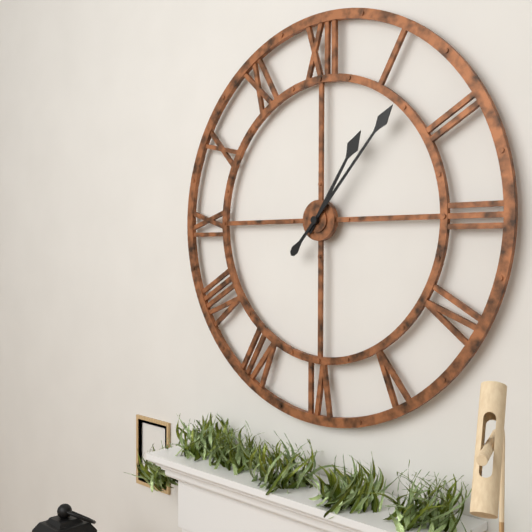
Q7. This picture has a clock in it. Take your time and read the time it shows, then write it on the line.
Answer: 1:07
